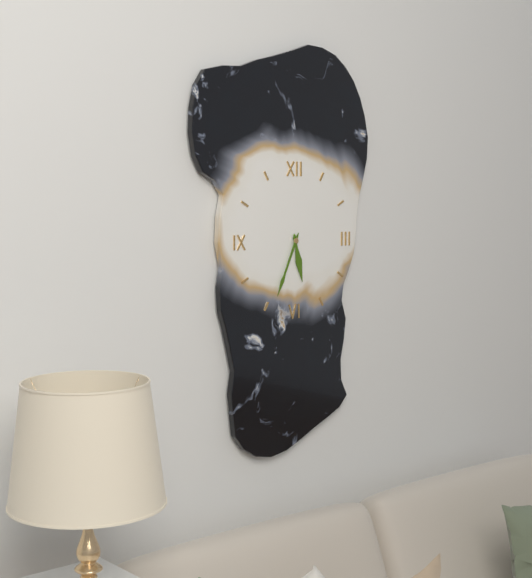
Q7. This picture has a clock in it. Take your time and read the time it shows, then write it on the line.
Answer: 5:34
